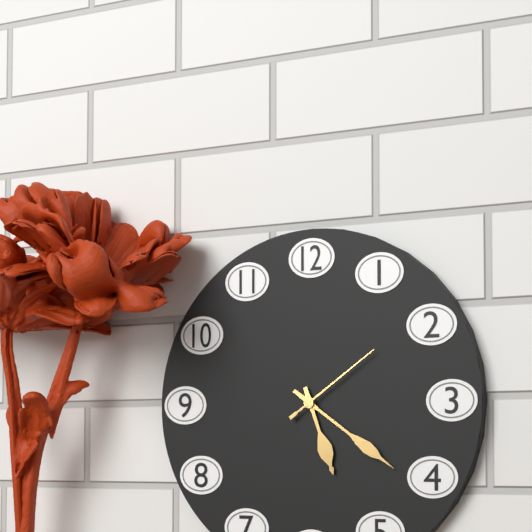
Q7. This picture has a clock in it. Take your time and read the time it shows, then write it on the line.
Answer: 5:21:09
